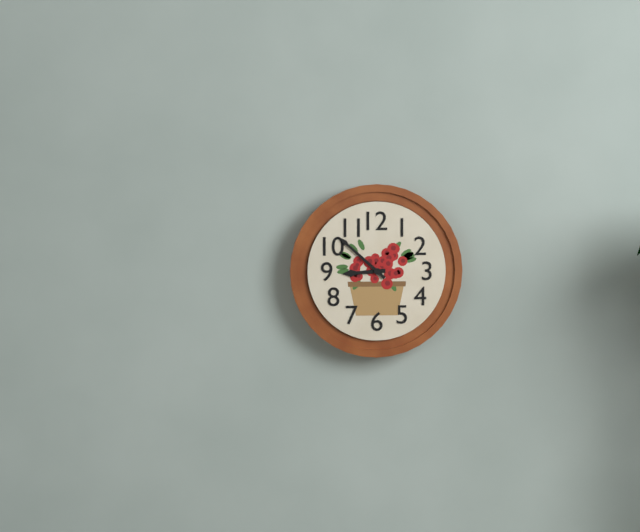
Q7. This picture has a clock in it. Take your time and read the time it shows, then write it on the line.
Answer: 8:52
